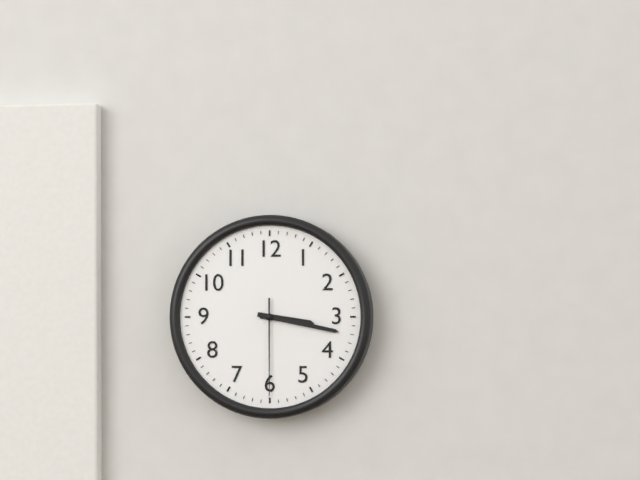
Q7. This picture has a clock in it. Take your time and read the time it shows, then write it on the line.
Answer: 3:17:30
